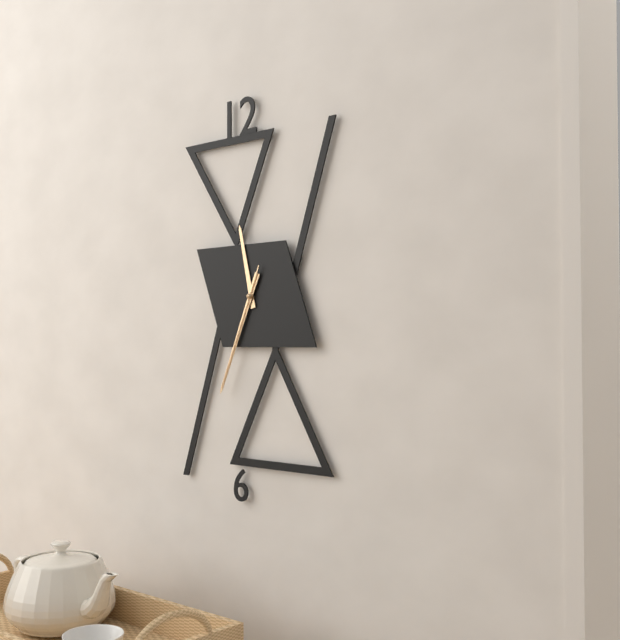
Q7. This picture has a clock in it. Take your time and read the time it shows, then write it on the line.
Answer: 11:34:34
